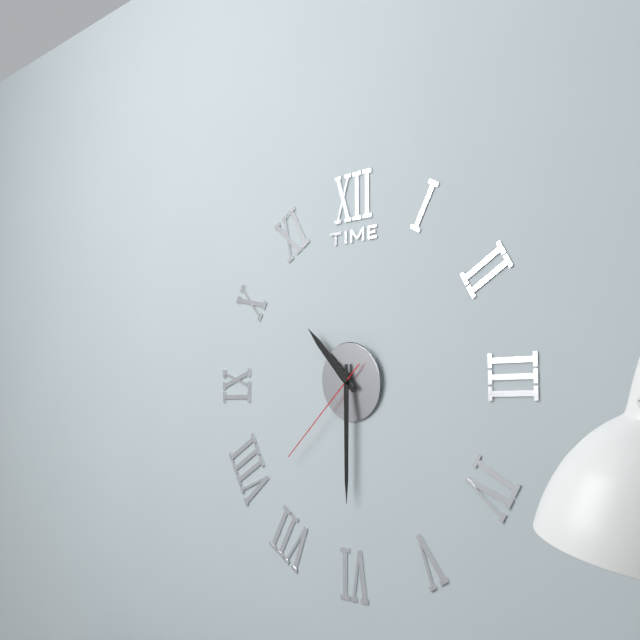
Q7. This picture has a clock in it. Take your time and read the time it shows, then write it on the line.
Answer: 10:30:38
